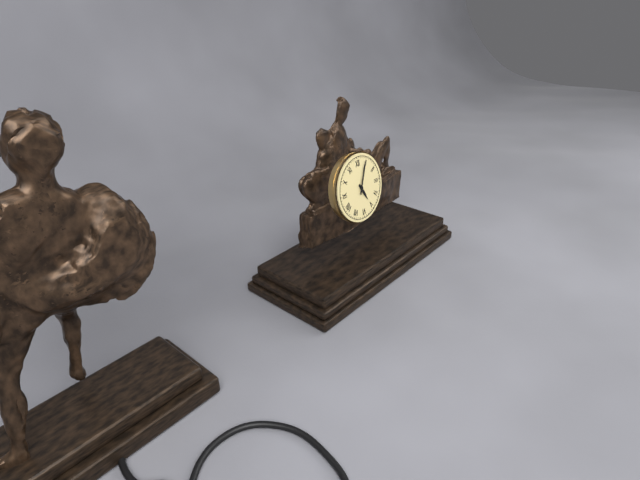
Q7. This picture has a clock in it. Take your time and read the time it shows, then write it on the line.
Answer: 5:04
